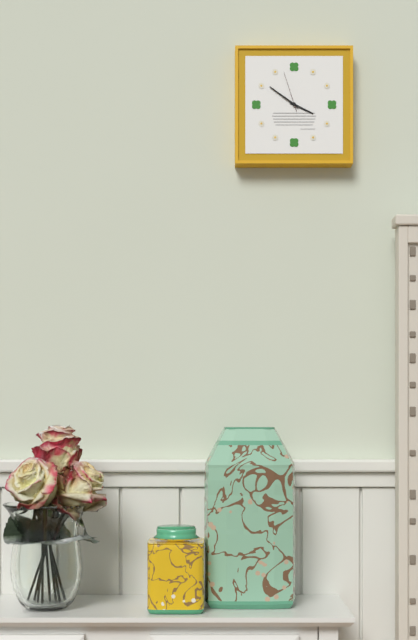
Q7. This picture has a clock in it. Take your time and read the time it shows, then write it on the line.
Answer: 3:51
